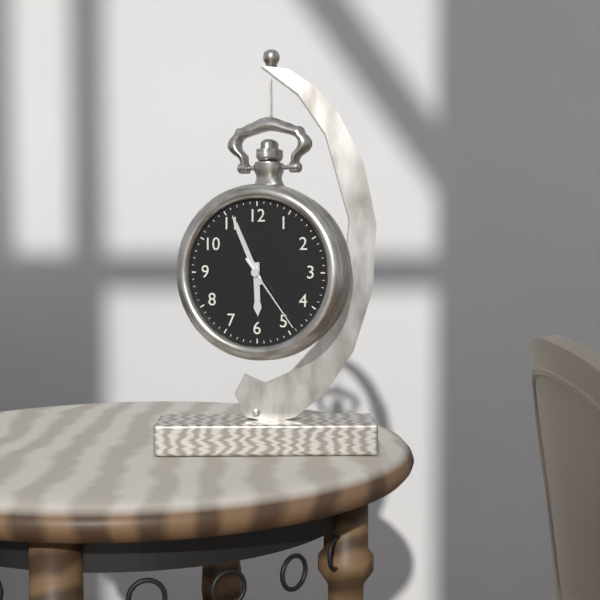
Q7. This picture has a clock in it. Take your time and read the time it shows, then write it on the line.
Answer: 5:56:24
